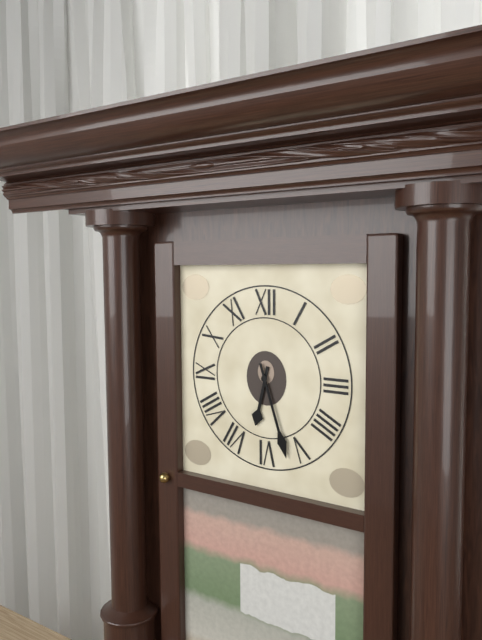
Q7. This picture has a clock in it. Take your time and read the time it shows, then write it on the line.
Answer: 6:27
